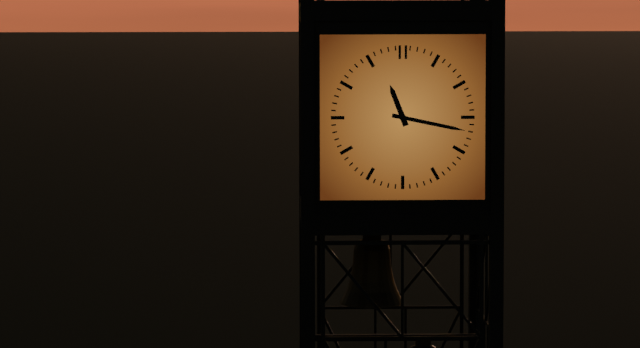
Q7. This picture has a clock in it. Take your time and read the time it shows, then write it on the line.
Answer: 11:17
